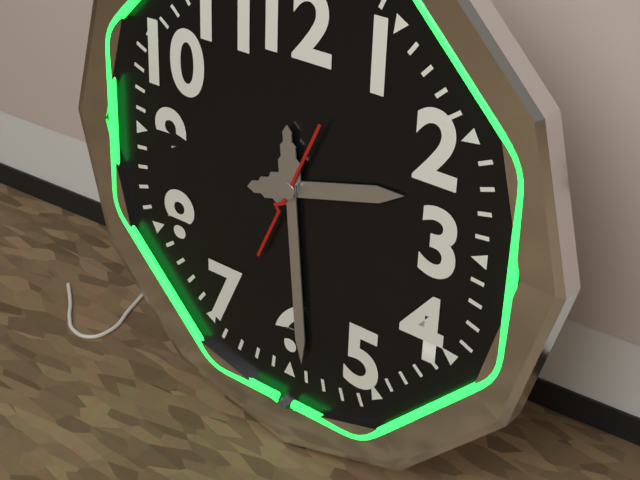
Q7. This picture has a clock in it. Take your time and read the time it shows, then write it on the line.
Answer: 2:29:34
